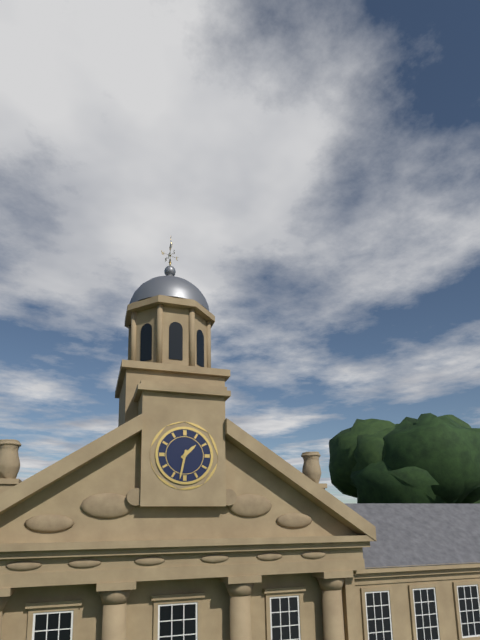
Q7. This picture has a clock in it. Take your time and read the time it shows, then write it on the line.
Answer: 1:32
